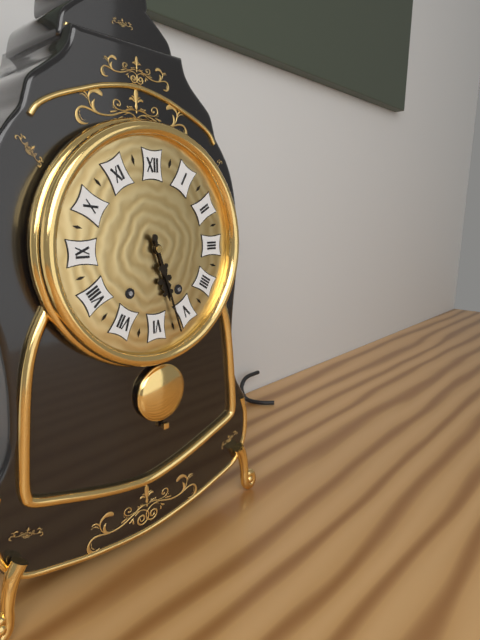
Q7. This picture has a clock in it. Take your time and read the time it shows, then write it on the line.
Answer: 5:27
